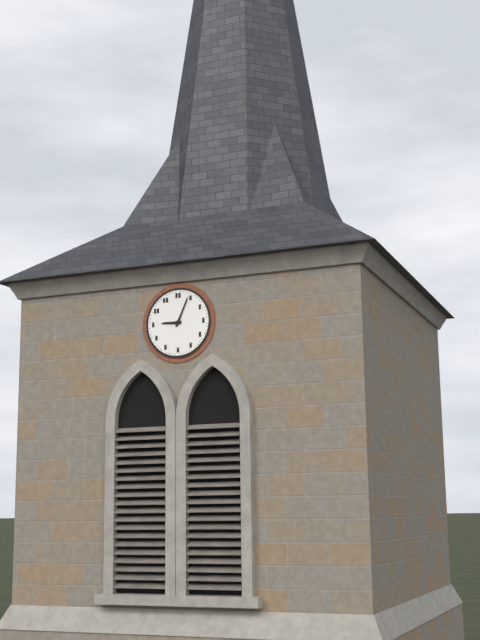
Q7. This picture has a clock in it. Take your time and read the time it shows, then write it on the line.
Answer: 9:04
